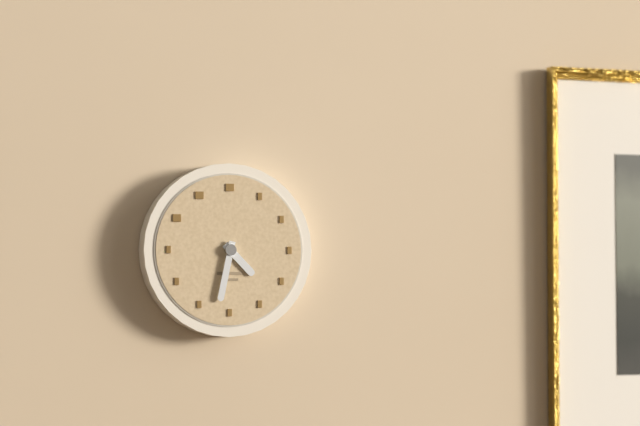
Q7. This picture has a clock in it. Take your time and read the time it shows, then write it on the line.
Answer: 4:32
